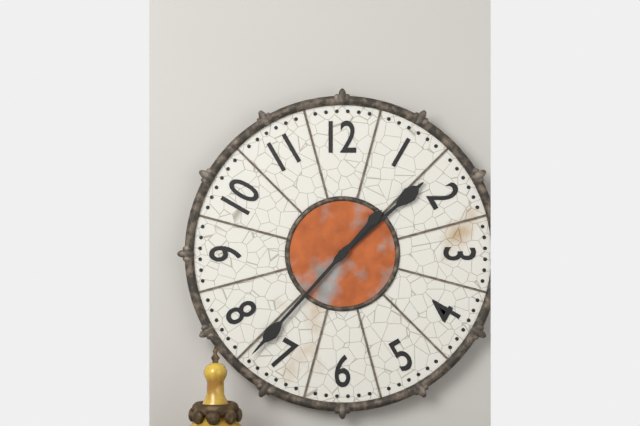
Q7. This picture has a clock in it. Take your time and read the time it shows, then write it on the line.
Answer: 1:37
